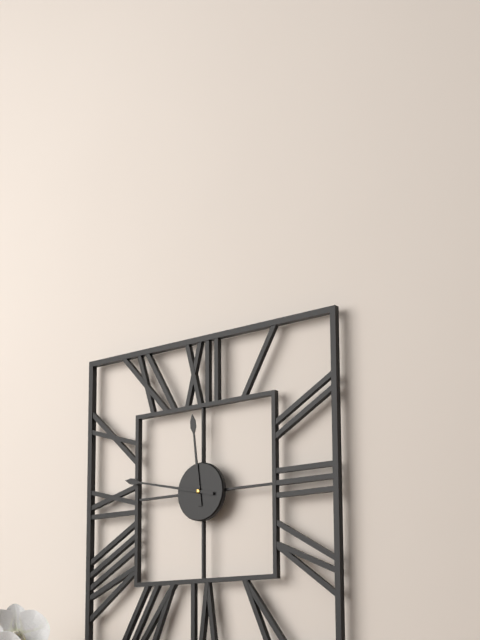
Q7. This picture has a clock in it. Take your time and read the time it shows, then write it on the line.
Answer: 11:47
